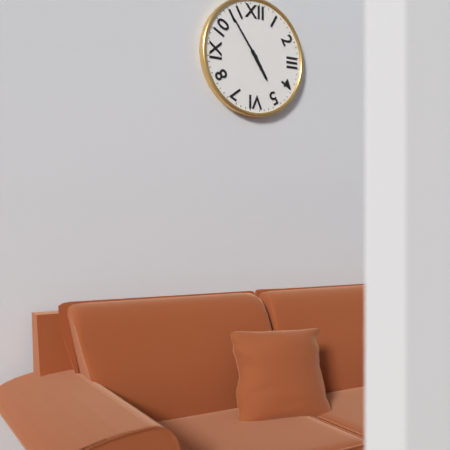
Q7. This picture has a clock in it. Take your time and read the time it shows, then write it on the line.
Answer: 4:54
